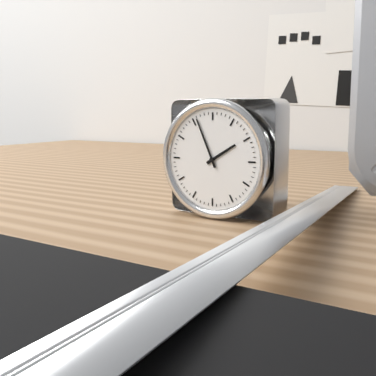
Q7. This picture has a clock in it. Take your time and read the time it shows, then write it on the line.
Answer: 1:56
